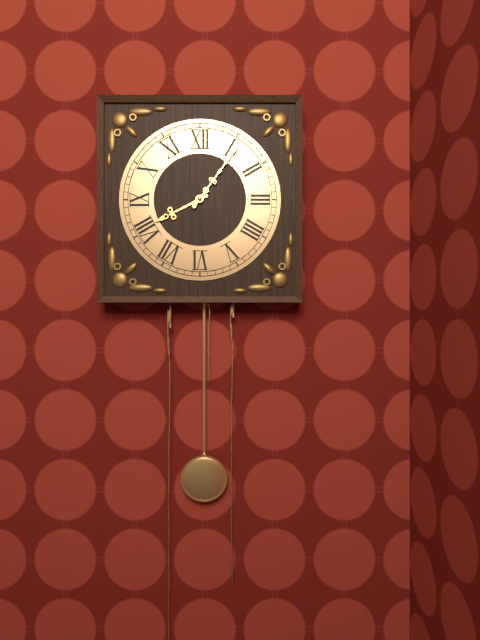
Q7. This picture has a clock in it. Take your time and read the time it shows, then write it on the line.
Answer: 8:06
